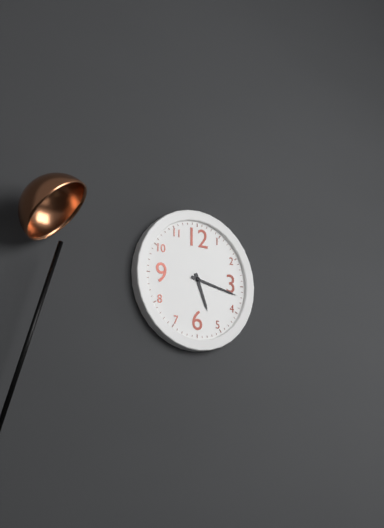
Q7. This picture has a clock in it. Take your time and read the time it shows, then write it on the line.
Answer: 5:17
